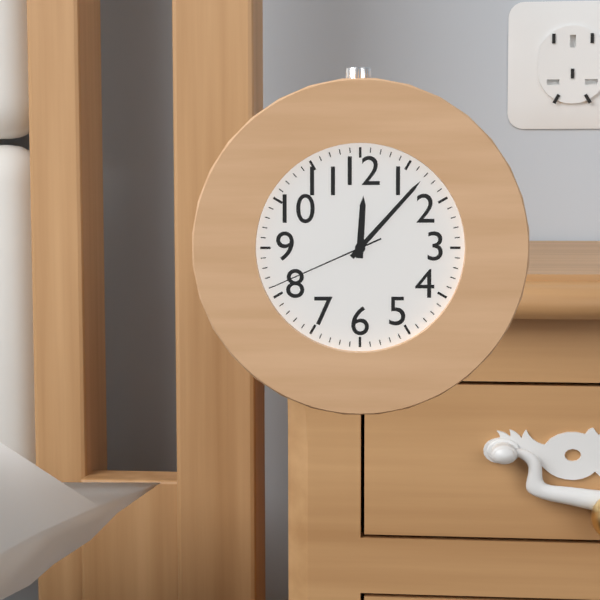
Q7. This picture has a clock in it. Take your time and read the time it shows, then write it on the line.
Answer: 12:07:41
